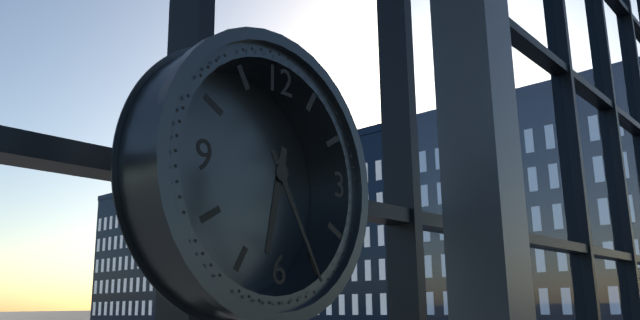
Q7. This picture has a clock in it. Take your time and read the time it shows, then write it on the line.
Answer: 6:25
